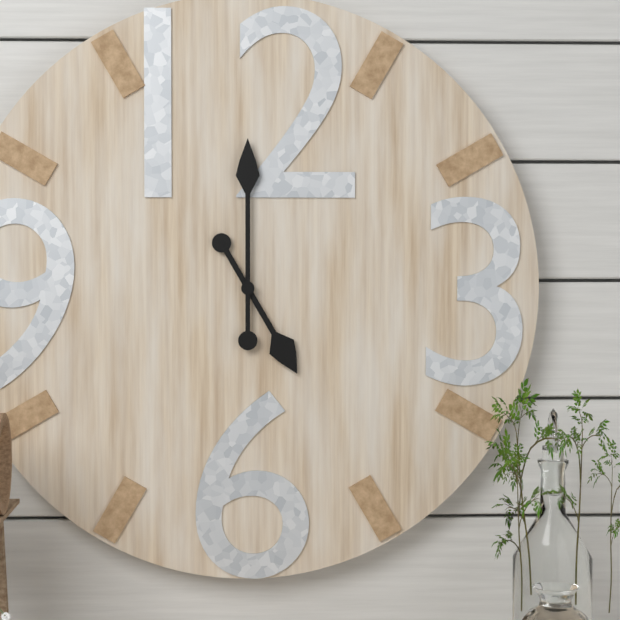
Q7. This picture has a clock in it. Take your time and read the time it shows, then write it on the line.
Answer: 5:00
